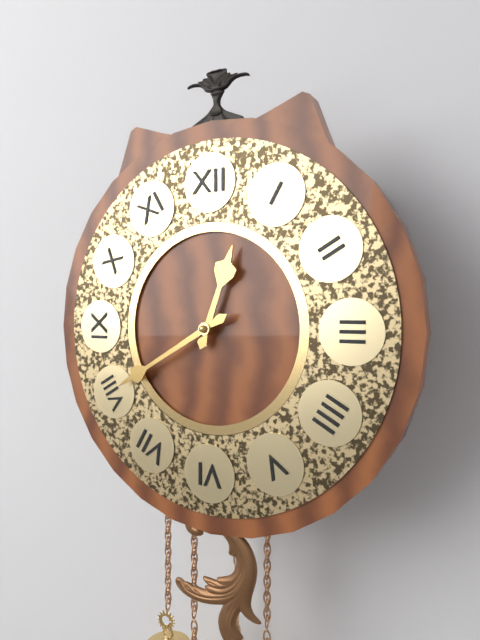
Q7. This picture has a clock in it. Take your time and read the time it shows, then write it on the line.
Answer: 12:40
